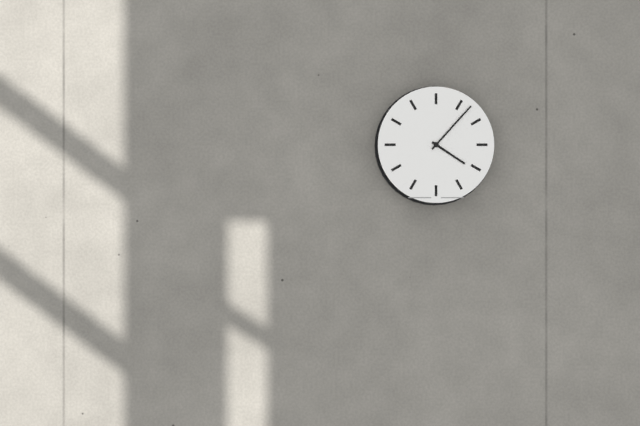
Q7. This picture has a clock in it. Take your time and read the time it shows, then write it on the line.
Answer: 4:07
